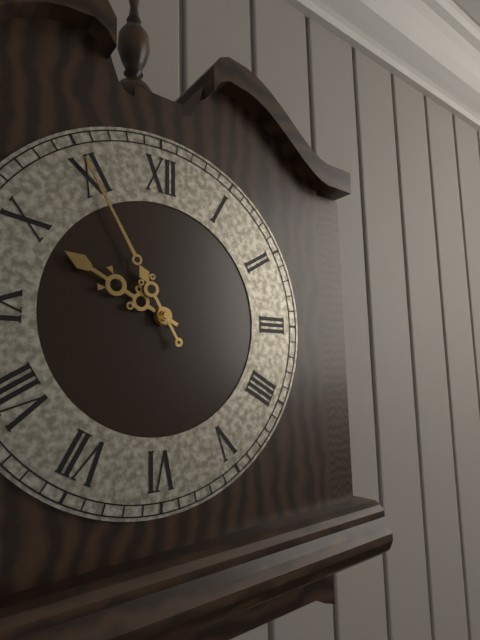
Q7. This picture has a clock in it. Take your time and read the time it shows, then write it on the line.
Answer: 9:55
